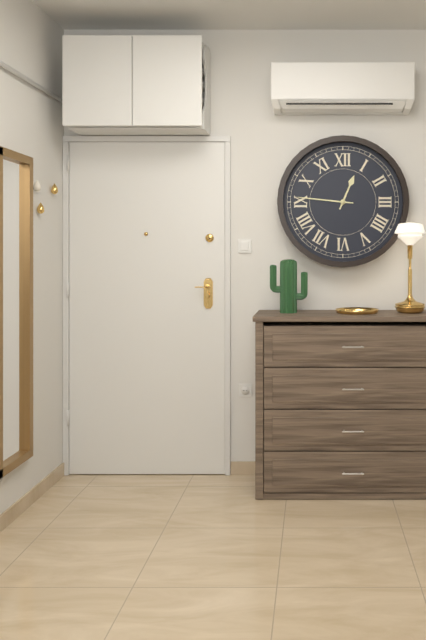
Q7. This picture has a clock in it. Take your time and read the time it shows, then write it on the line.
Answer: 12:46
